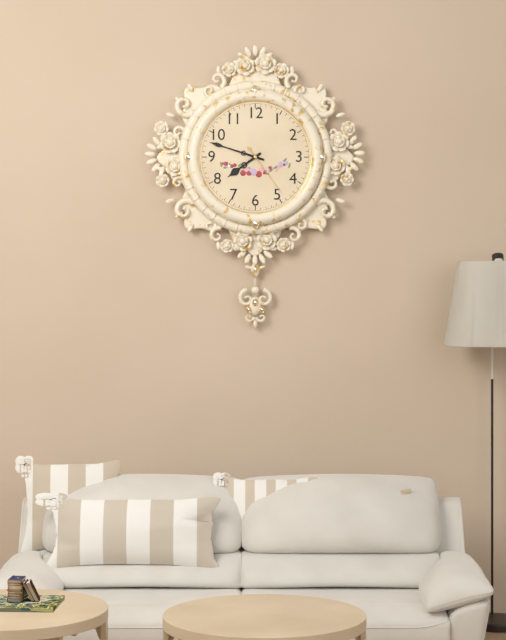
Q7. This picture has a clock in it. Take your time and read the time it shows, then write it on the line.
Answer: 7:48:24
